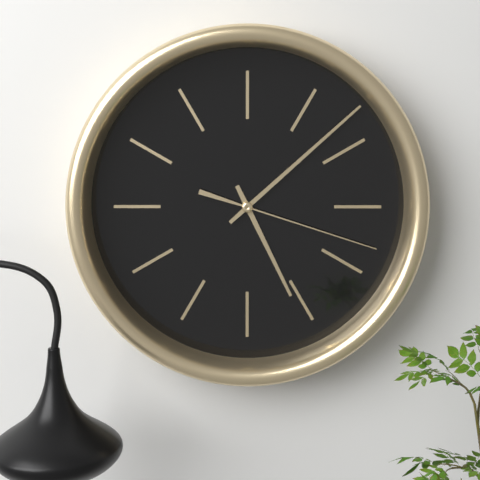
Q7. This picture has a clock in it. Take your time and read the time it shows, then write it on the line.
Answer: 5:08:18
